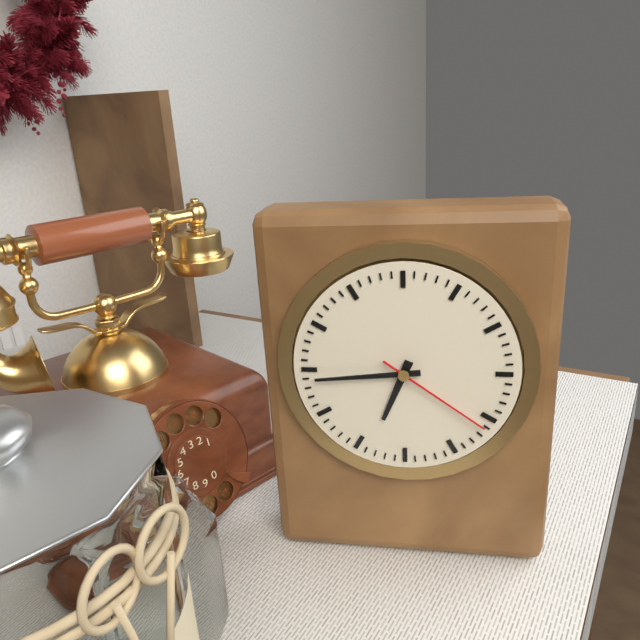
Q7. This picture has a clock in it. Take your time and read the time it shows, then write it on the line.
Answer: 6:44:21
